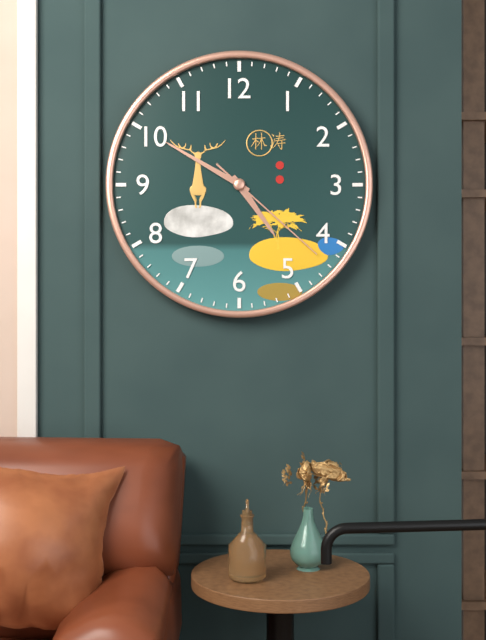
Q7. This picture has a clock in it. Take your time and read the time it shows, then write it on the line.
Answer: 4:50:22
